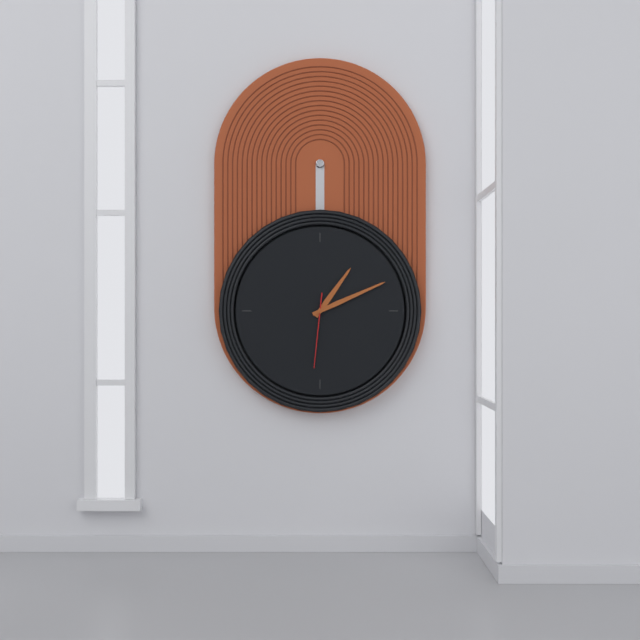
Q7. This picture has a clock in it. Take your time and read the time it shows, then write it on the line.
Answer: 1:11:31
